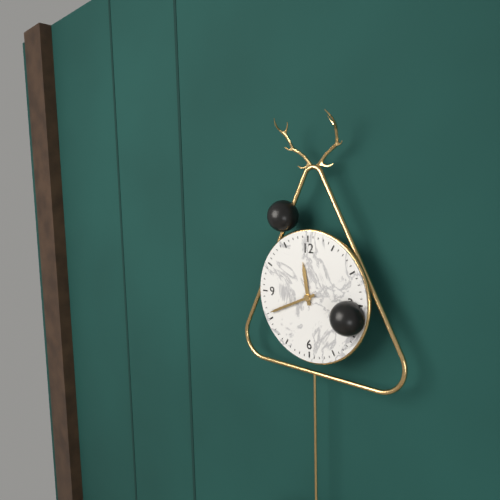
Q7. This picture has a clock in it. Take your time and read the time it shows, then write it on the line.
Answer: 11:41
